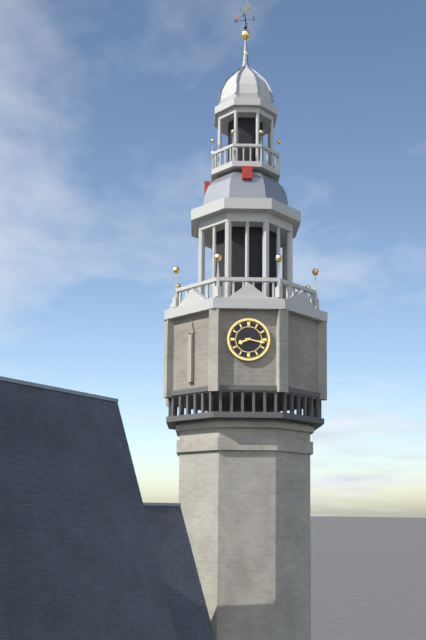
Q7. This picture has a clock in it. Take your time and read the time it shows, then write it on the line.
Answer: 8:17
